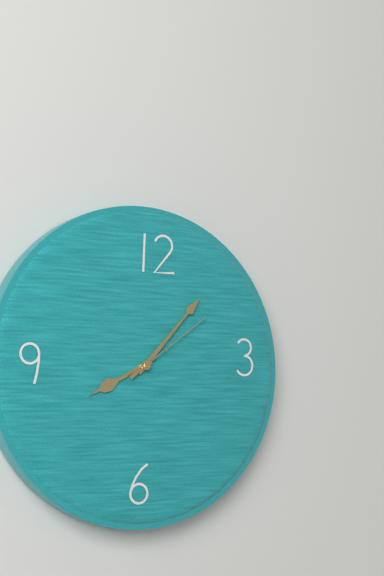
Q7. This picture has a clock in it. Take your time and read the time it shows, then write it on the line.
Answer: 8:07:09
